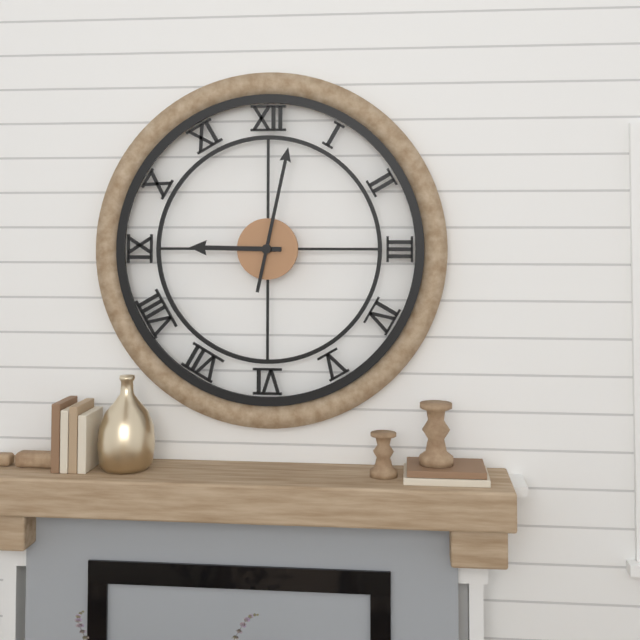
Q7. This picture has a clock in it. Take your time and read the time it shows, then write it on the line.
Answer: 9:02
